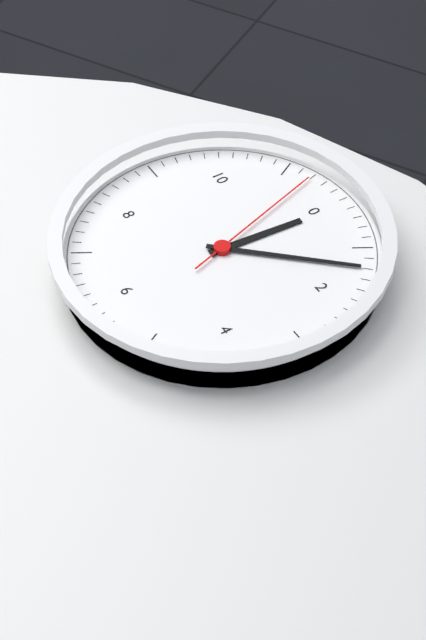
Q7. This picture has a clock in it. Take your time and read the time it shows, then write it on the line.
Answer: 12:07:57
